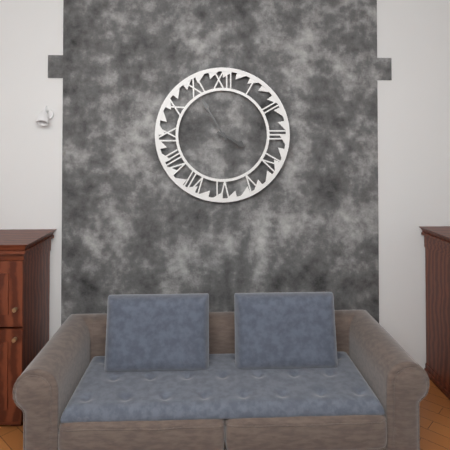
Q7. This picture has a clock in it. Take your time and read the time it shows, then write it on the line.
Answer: 3:55
